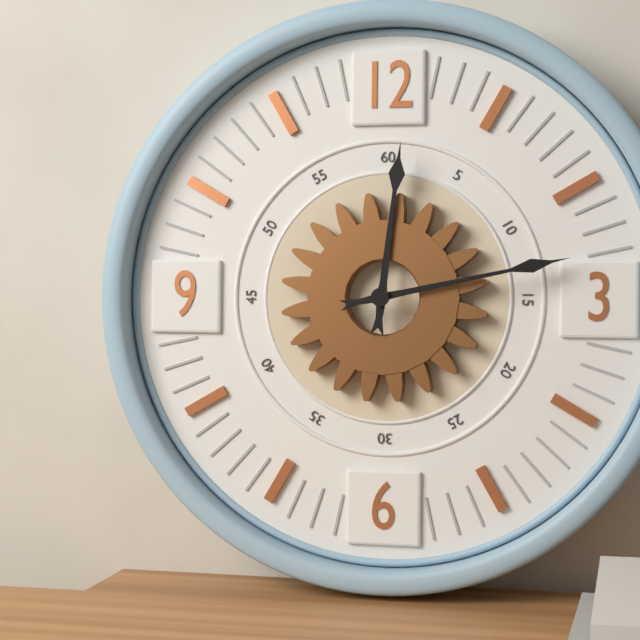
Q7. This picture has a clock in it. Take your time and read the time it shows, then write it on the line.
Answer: 12:13
